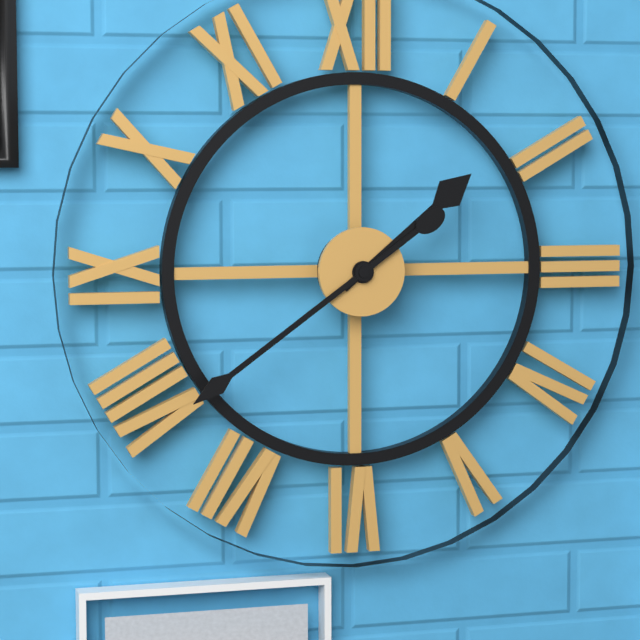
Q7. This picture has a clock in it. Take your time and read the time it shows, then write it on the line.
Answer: 1:39
